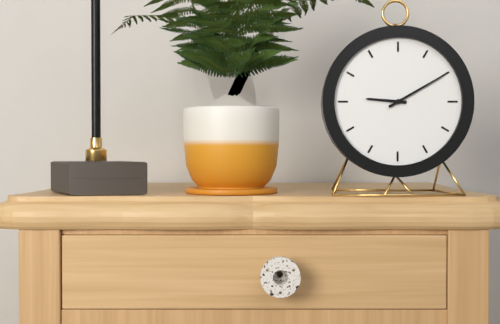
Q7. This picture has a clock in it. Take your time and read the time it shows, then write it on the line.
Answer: 9:10
